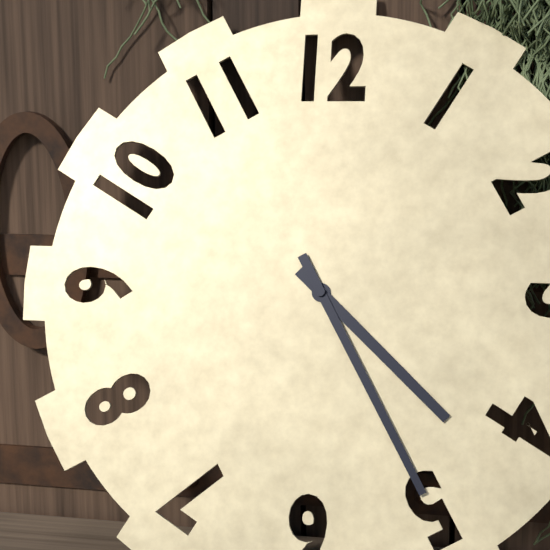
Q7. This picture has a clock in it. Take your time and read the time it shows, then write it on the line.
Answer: 4:25
